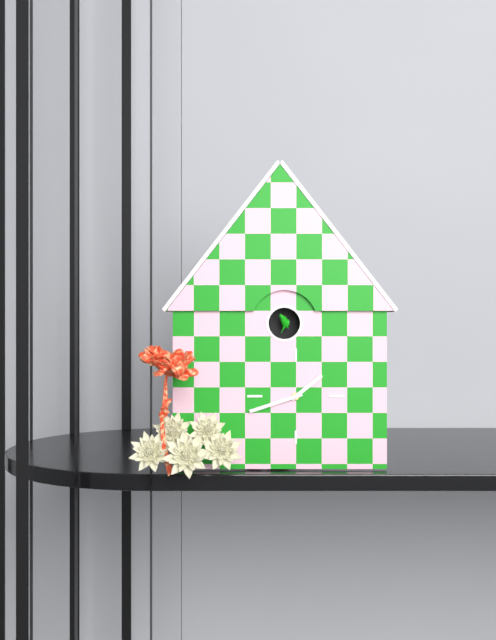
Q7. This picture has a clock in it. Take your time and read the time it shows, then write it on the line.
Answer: 1:42
